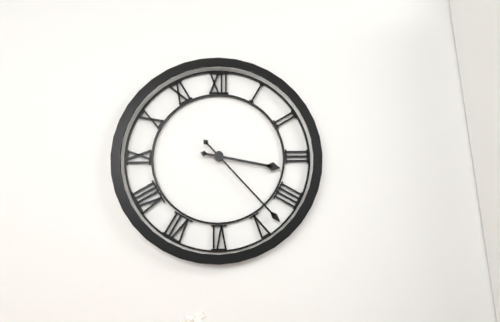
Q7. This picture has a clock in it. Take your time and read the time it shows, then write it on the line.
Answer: 3:23
